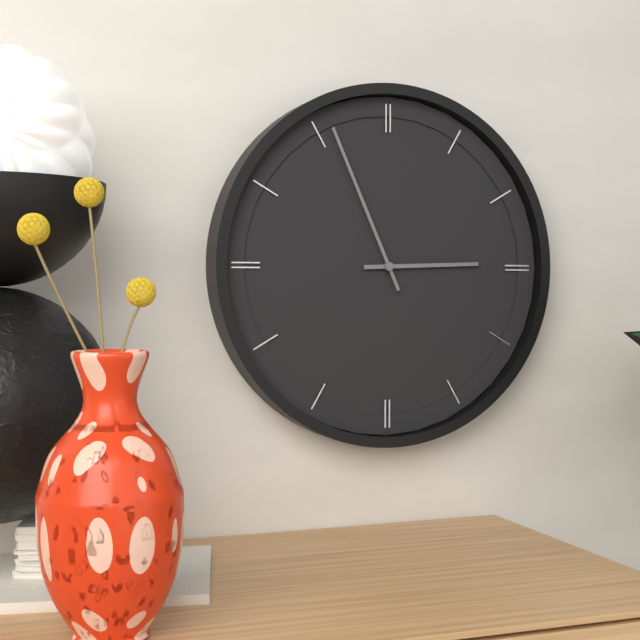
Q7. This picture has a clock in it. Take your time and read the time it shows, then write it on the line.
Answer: 2:56
